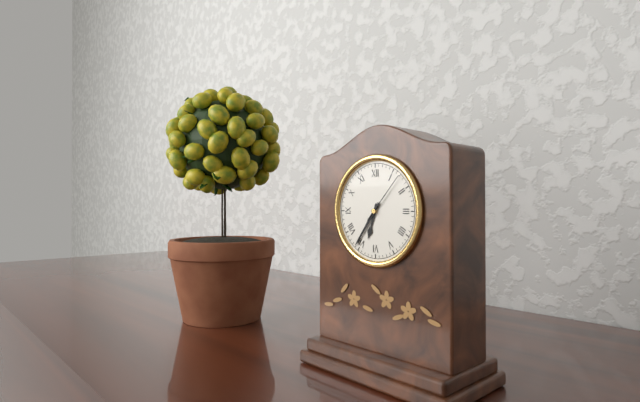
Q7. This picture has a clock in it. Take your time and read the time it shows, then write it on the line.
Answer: 6:36:07
